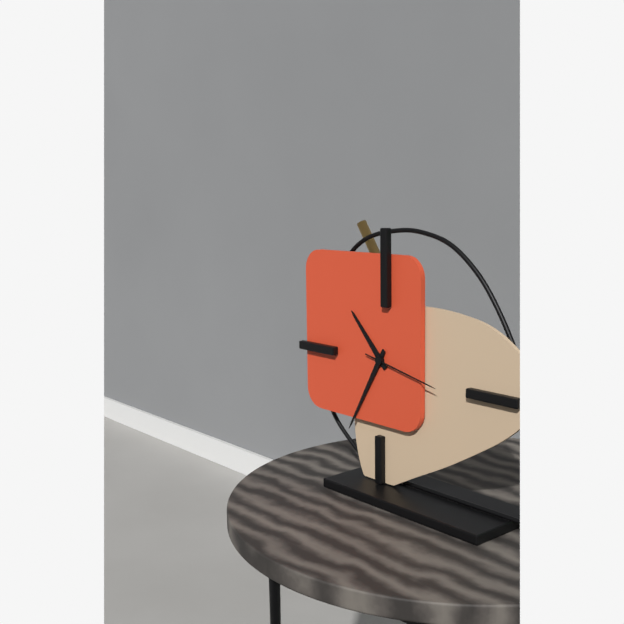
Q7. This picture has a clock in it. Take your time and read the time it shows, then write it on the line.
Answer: 10:35:17
